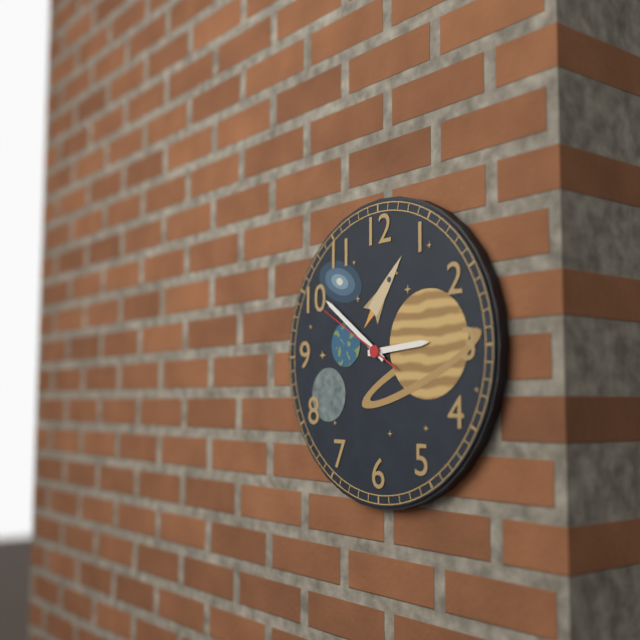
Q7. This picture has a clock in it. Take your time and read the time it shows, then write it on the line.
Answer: 2:51:50
